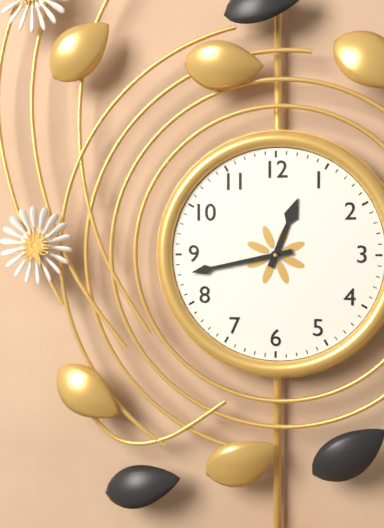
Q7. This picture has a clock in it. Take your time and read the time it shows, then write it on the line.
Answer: 12:43
